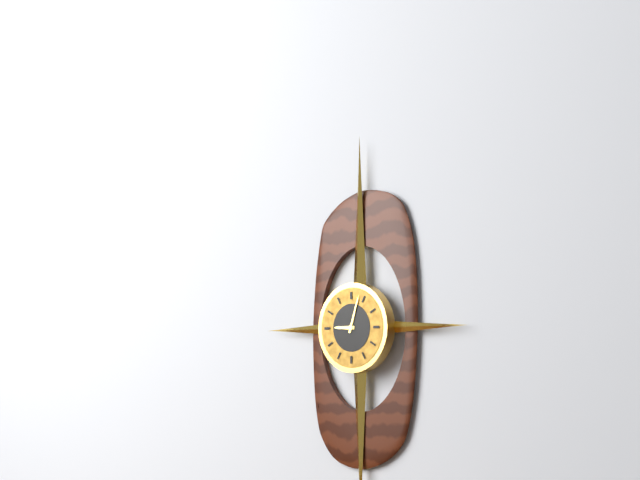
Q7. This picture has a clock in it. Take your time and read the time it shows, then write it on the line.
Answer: 9:03
